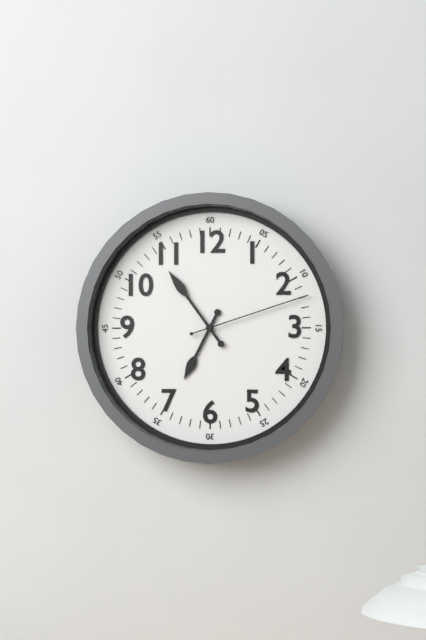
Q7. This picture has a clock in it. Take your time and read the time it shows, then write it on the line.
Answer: 6:54:12
